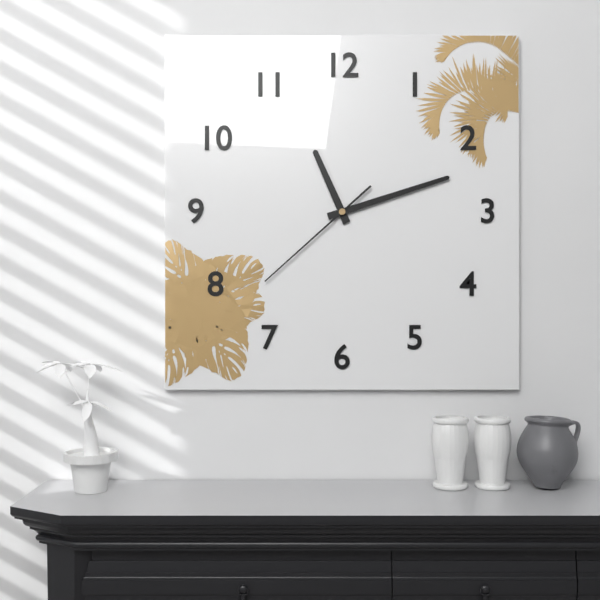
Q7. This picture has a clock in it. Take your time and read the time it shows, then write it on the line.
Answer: 11:12:38
